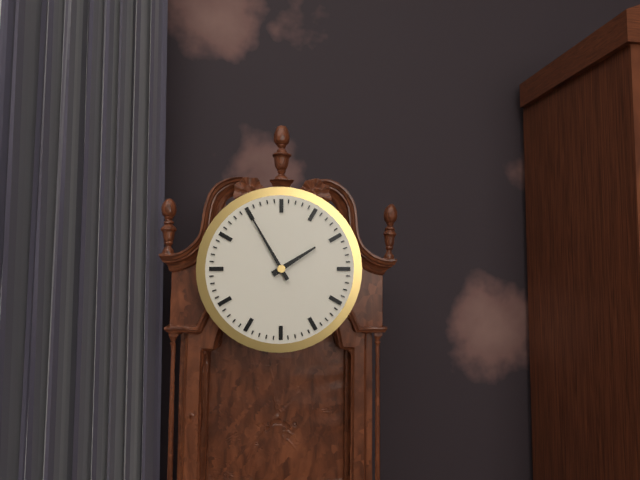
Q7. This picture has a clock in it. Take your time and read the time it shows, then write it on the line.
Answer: 1:55
